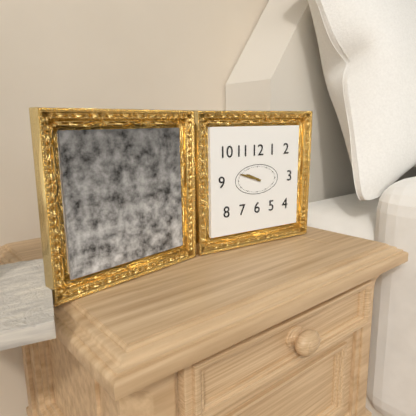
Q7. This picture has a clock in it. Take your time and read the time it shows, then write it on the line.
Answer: 9:48
